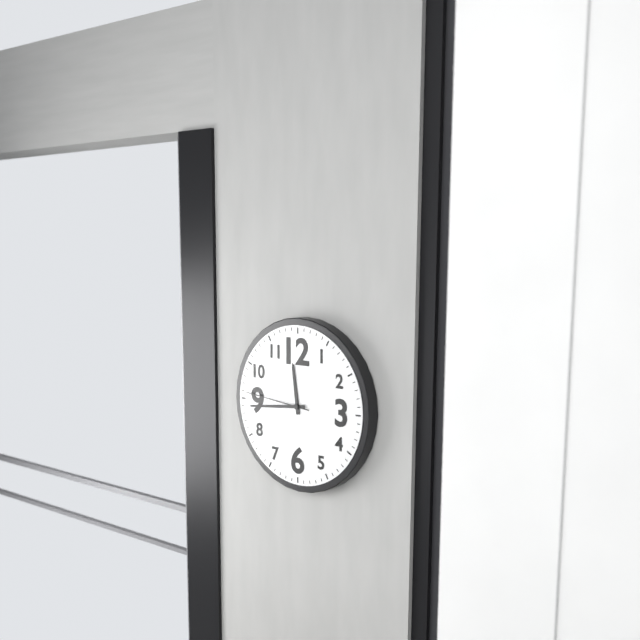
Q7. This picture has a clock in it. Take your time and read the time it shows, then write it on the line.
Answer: 11:44:46
